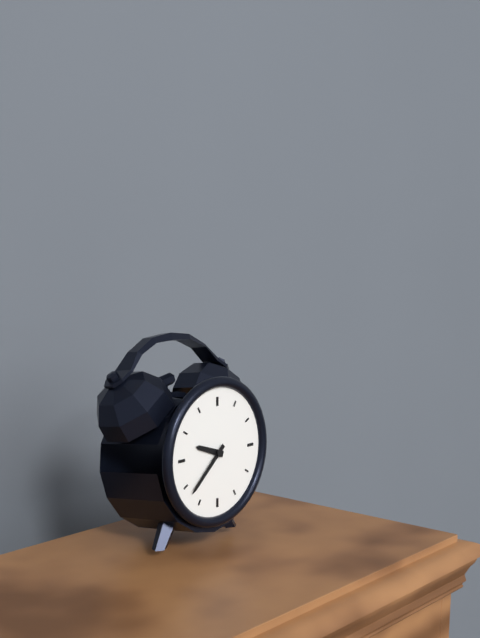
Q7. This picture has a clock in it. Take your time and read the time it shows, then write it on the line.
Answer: 9:38
